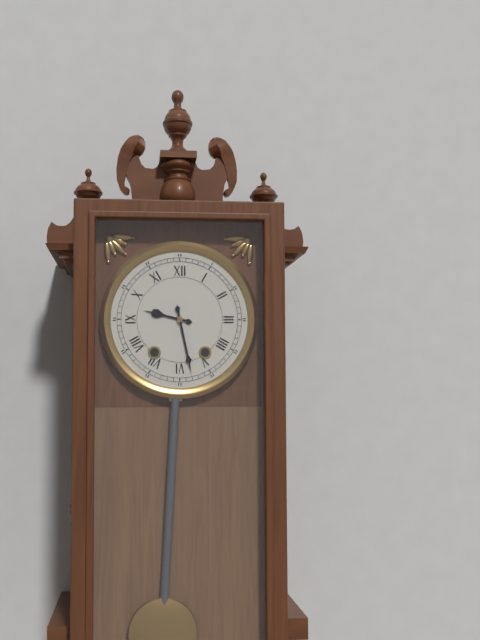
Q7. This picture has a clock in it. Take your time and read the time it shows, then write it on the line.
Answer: 9:28
